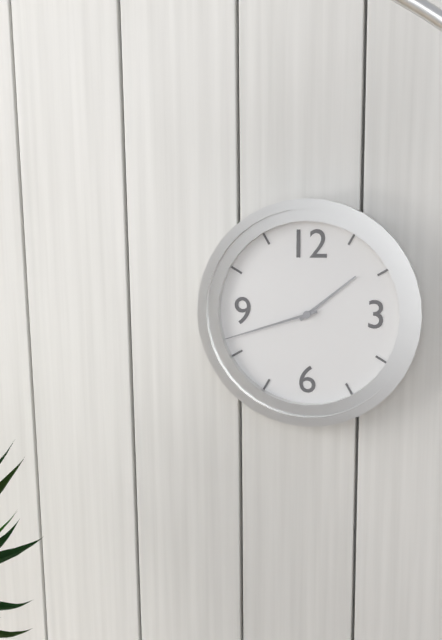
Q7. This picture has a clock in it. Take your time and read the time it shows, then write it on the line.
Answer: 1:42
